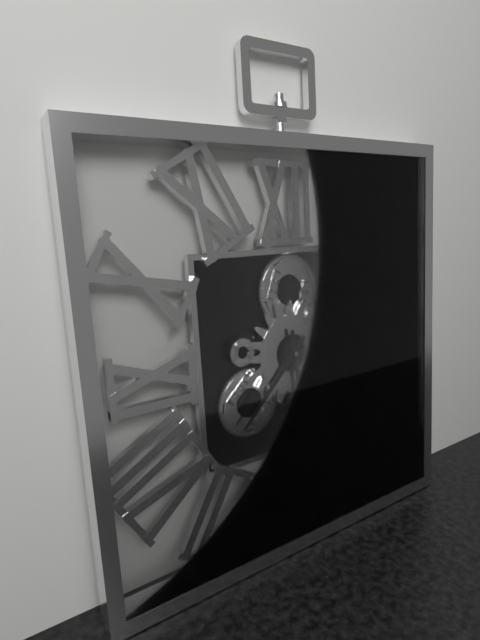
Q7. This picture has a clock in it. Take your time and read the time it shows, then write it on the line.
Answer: 7:29
